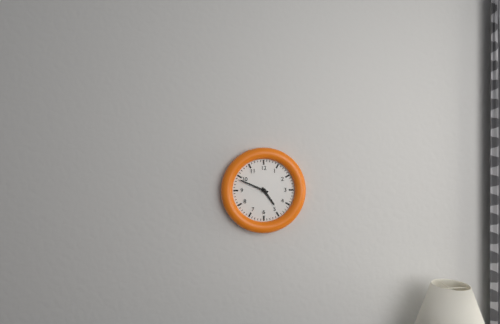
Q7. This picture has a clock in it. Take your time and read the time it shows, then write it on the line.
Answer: 4:49
